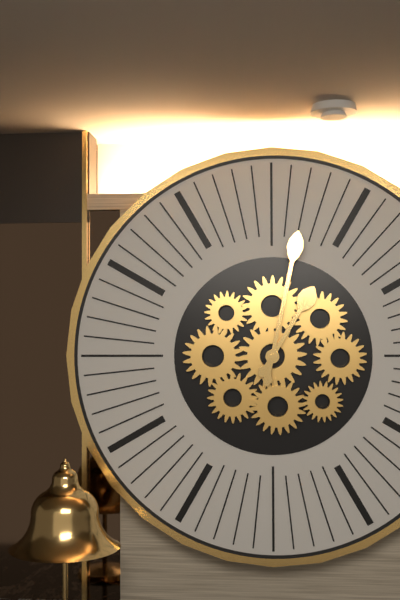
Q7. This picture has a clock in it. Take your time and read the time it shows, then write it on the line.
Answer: 1:02
